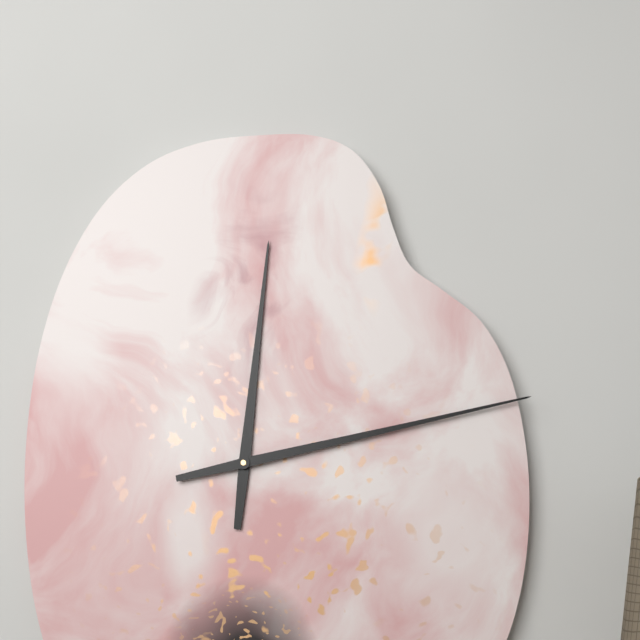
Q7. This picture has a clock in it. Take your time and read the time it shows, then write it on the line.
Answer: 12:13
